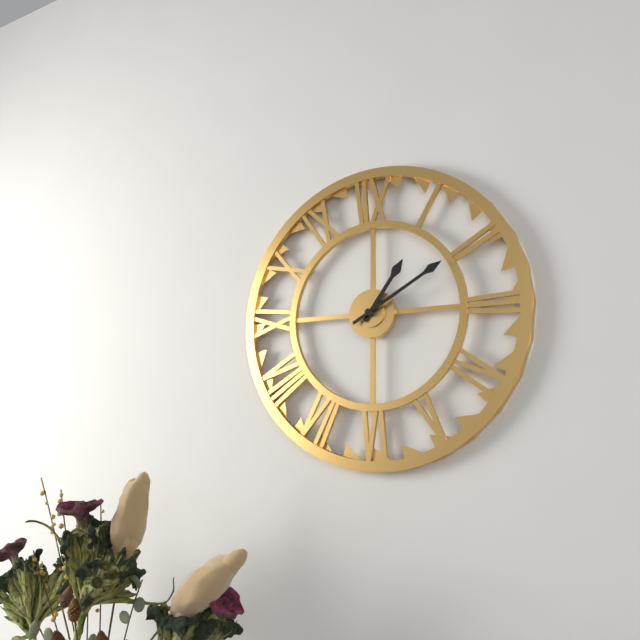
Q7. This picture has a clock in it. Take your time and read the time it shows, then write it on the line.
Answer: 1:10
